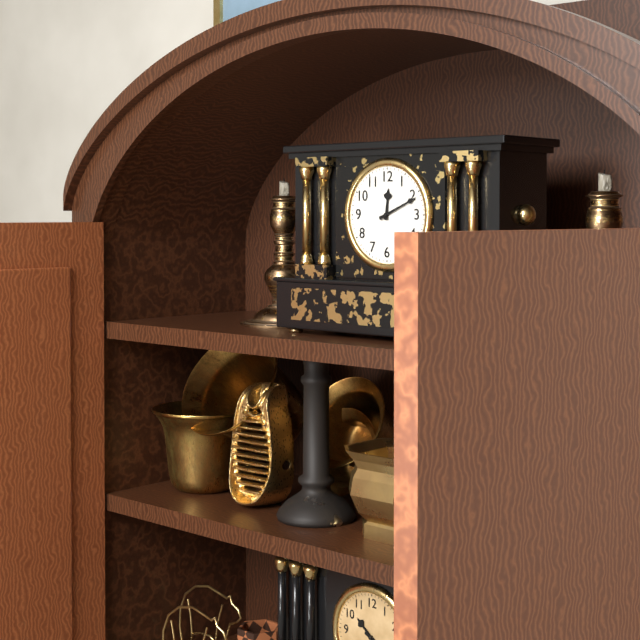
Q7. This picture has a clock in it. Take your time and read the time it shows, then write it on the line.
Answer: 12:11
